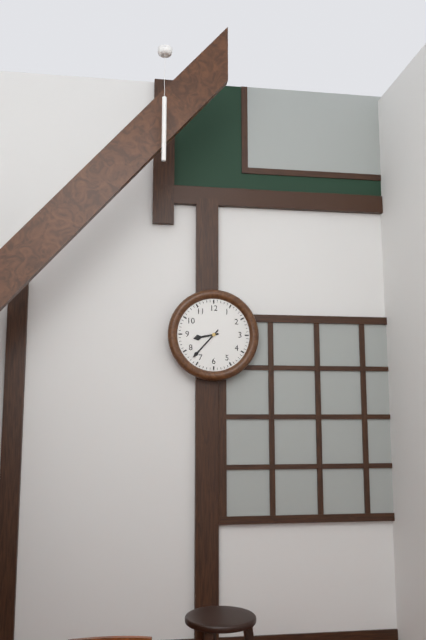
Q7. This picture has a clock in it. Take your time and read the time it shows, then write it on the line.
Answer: 8:37
